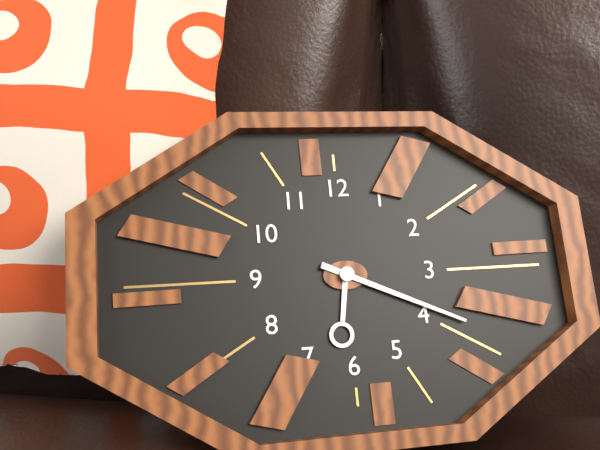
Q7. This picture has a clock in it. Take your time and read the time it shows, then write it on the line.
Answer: 6:19
